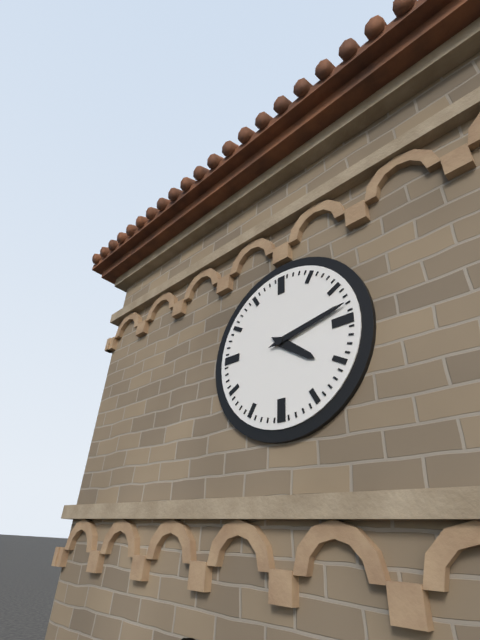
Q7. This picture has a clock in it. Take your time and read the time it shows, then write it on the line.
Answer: 4:13
